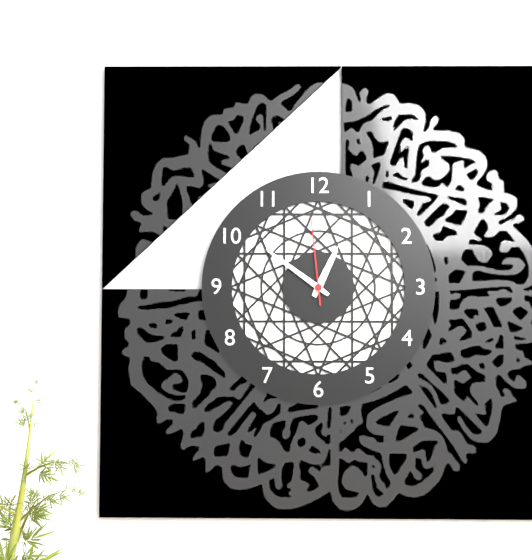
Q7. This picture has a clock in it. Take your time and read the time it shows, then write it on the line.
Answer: 12:51:59
